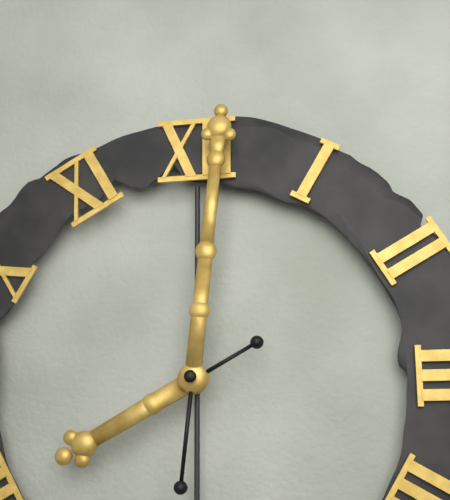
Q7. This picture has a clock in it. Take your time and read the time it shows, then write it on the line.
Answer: 8:01
